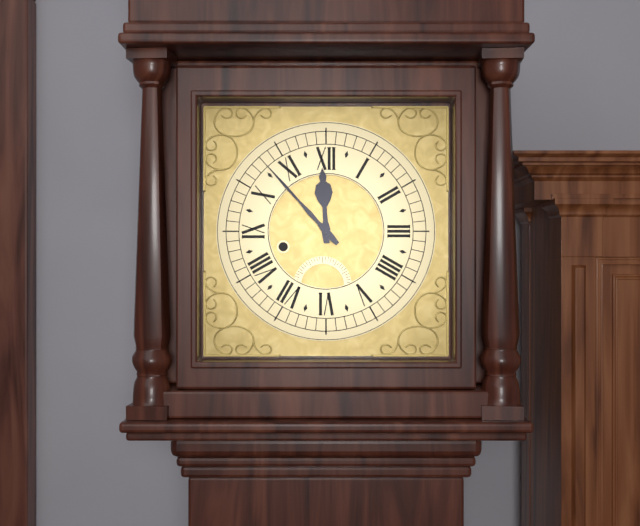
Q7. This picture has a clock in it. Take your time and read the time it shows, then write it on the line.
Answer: 11:53
